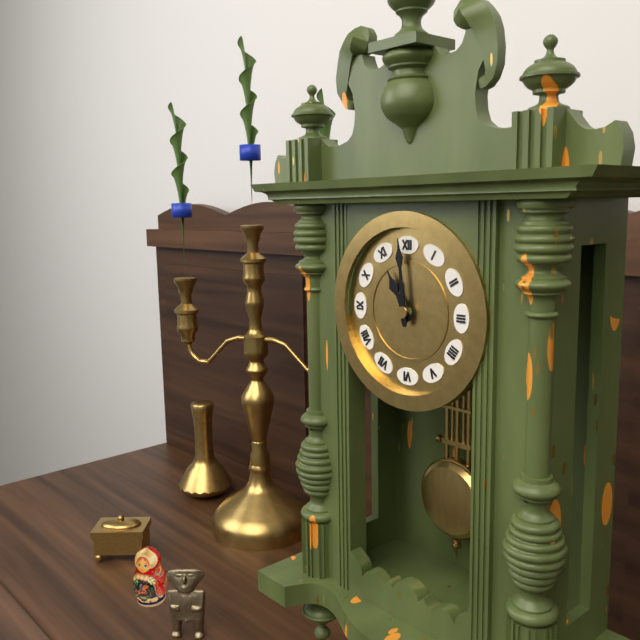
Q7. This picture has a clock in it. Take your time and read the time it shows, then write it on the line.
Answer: 10:59
